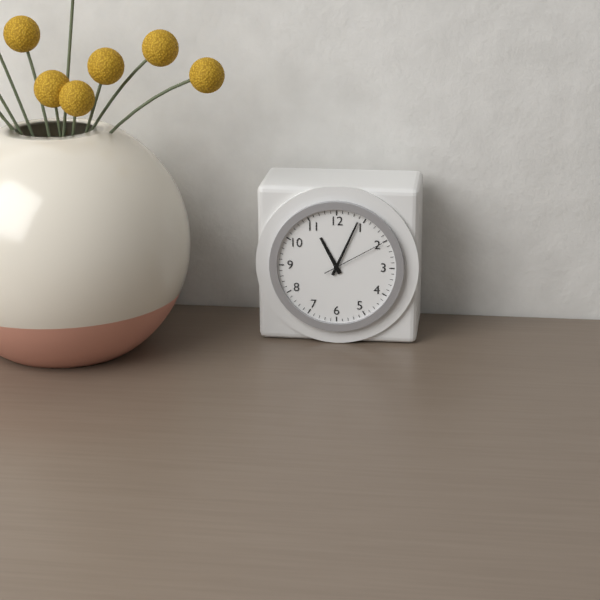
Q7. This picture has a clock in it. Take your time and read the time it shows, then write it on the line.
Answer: 11:04:10
